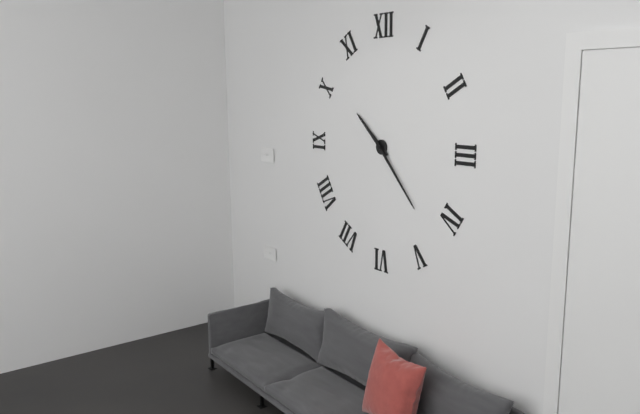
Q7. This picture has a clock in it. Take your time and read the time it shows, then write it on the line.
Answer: 10:23
